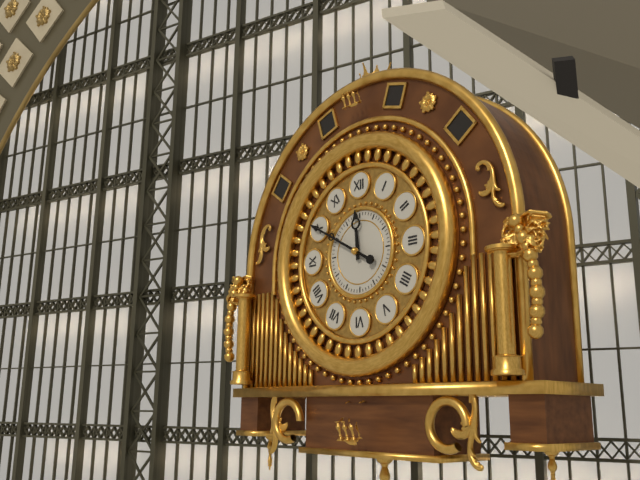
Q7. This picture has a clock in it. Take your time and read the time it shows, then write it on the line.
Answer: 11:50
